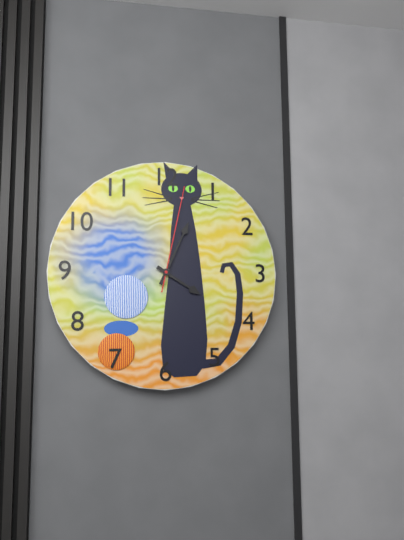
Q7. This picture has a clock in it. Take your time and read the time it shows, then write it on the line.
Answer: 4:04:02
